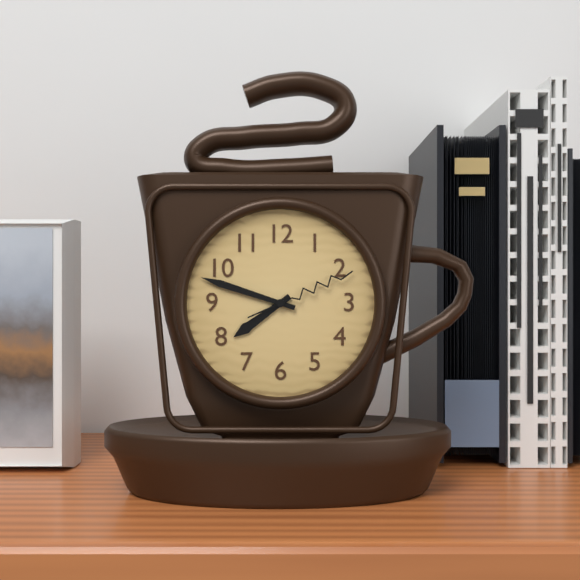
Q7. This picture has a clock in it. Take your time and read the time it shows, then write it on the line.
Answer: 7:48:11
